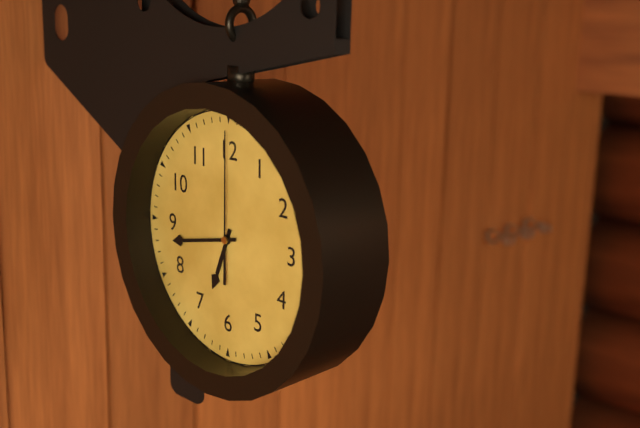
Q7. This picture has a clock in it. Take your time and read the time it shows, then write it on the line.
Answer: 6:43:00
